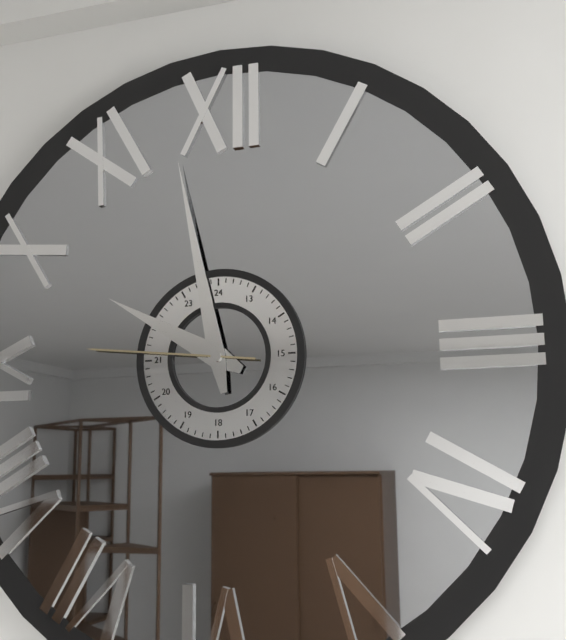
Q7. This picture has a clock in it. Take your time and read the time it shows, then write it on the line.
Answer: 9:58:46
